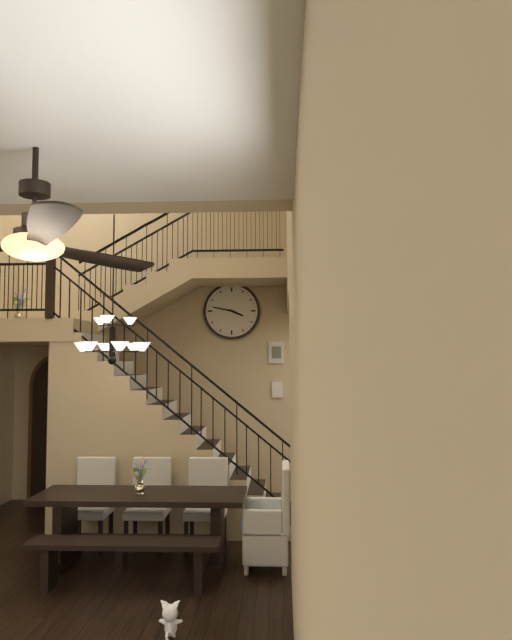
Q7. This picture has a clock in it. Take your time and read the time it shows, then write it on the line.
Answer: 3:47
